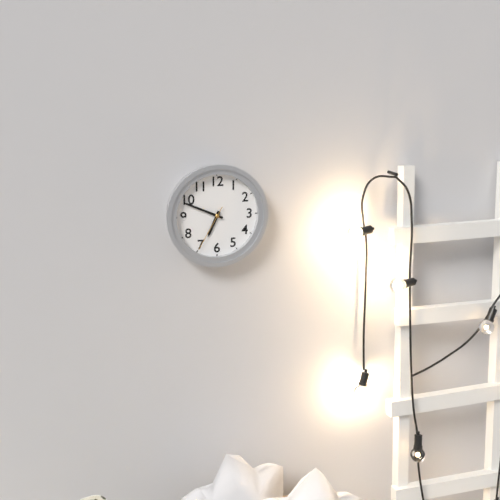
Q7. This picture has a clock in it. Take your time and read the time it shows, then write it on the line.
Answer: 6:49
